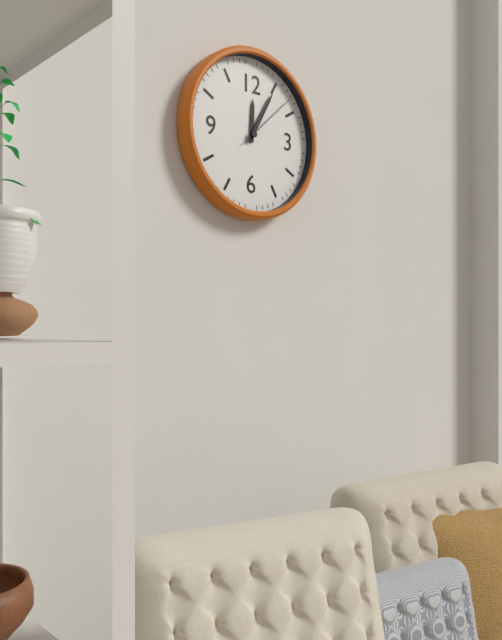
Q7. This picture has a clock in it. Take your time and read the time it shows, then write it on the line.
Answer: 12:05:08
